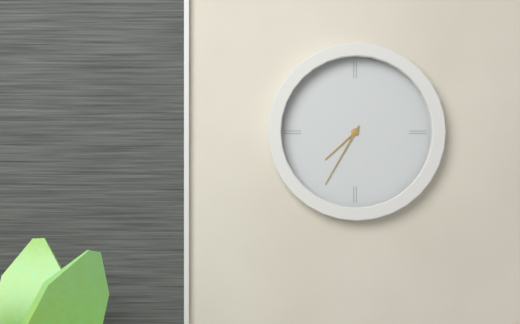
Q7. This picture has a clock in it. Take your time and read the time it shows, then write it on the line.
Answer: 7:35
